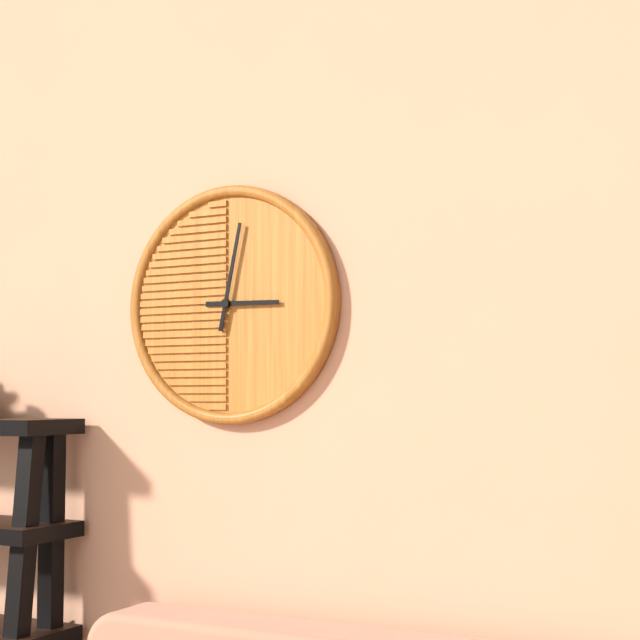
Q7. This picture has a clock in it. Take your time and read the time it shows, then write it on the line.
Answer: 3:02
